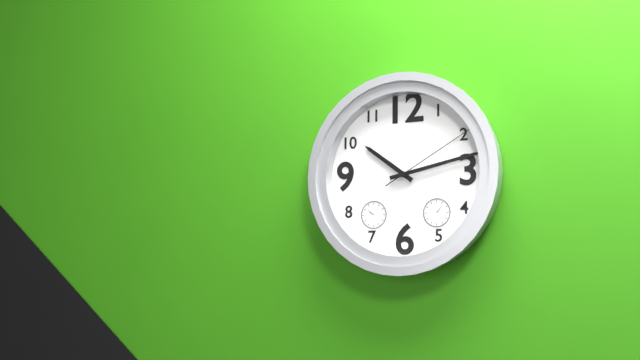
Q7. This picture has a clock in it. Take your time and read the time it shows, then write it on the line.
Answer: 10:13:10
